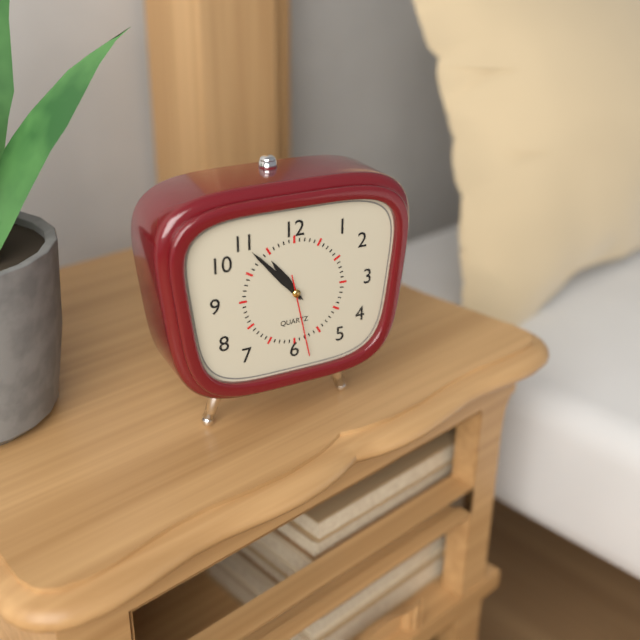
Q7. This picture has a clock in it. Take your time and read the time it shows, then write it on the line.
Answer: 10:53:28
